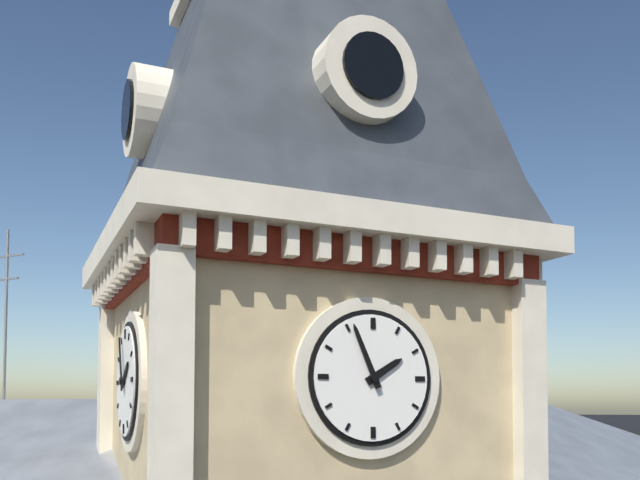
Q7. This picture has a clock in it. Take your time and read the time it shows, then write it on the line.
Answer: 1:56
